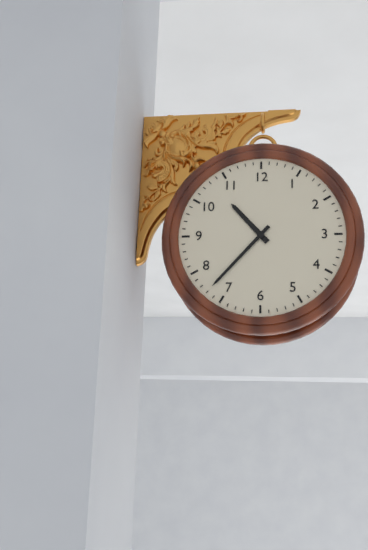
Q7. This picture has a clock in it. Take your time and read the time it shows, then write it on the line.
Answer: 10:37
